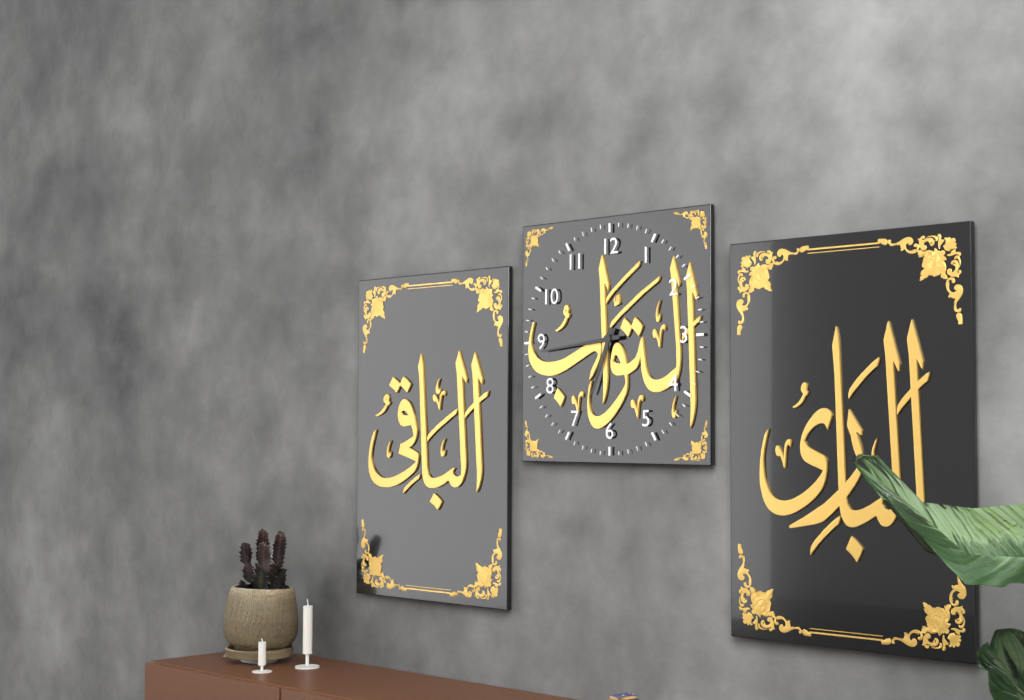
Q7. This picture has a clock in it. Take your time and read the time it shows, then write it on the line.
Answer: 6:44
